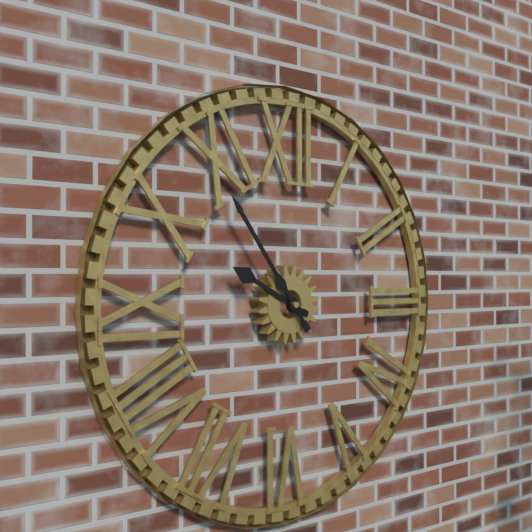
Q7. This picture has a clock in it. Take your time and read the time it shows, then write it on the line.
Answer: 9:54
